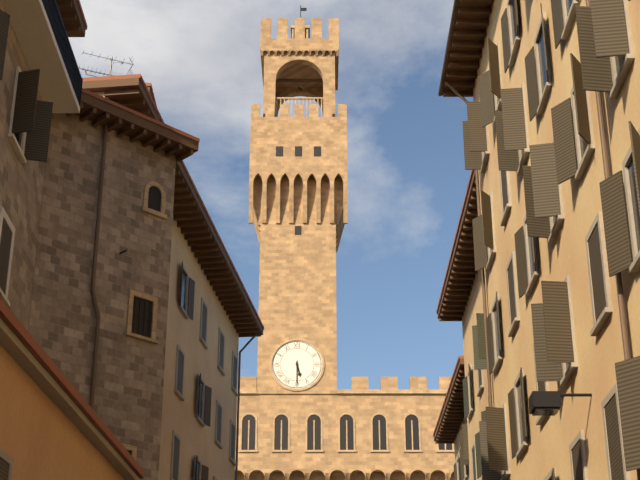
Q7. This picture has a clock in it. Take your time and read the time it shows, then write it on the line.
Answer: 5:30
